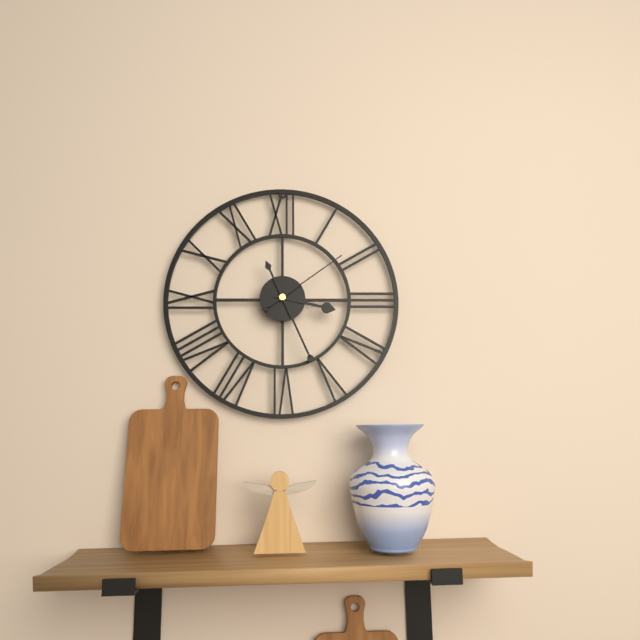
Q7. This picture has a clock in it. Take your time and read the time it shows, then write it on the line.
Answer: 3:26:09
